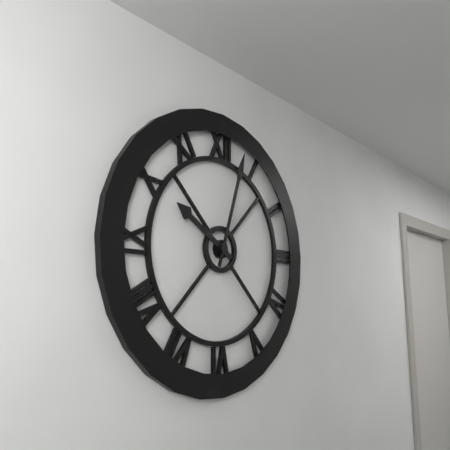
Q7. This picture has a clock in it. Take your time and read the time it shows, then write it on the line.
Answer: 10:03
